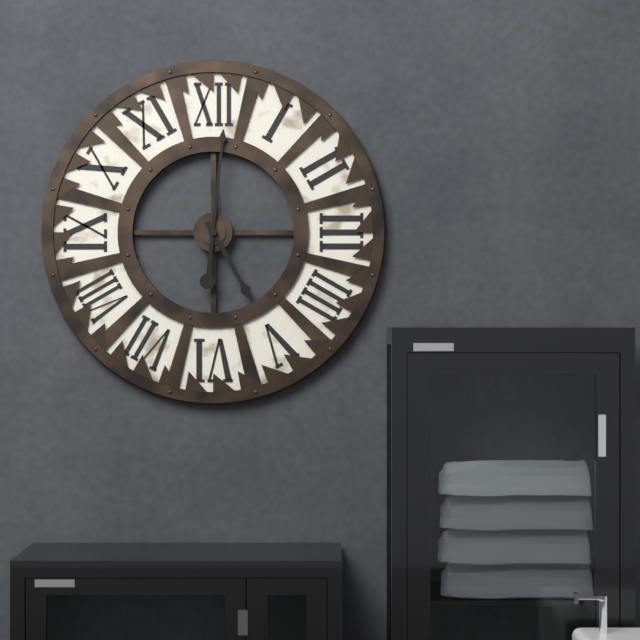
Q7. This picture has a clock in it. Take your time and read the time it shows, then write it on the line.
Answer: 5:01
